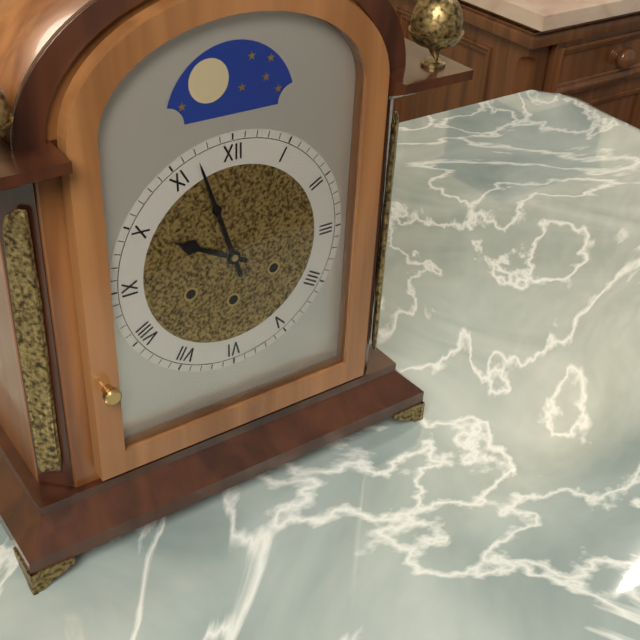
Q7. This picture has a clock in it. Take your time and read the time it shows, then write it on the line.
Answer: 9:57
